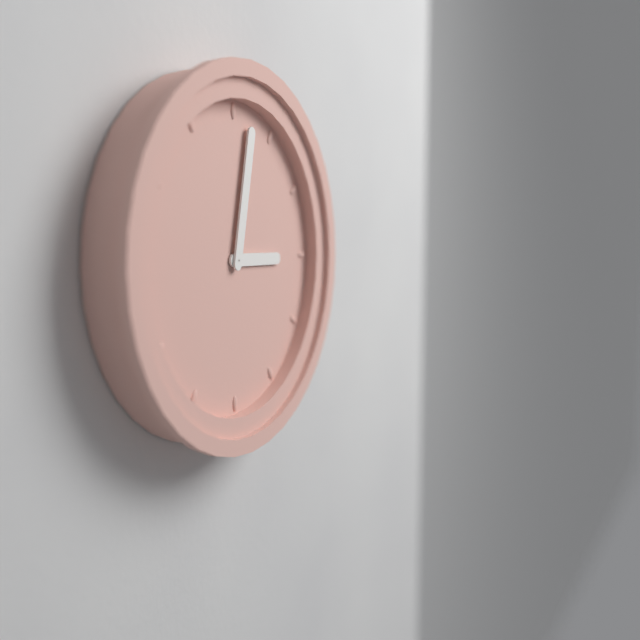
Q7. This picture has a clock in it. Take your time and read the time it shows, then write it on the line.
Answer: 3:02
